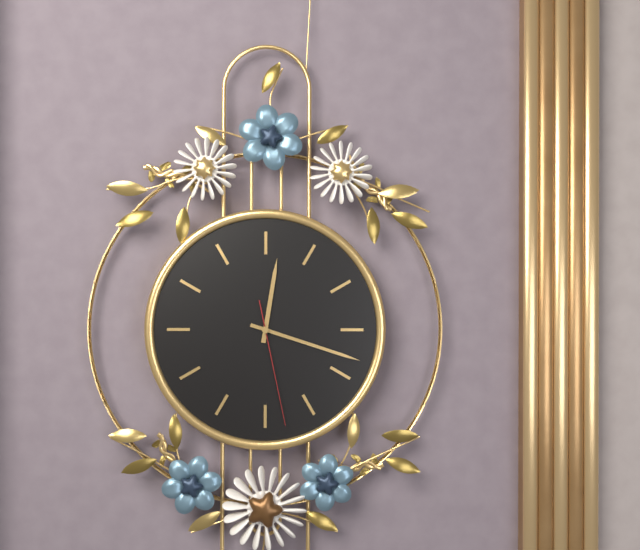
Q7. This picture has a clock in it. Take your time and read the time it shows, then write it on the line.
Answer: 12:18:28
